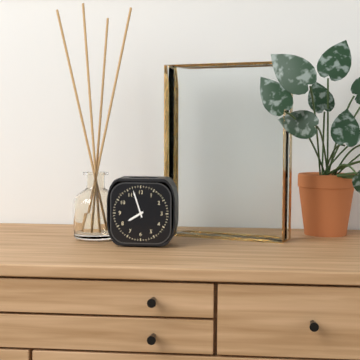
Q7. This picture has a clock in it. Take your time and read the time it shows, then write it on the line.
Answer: 7:57
